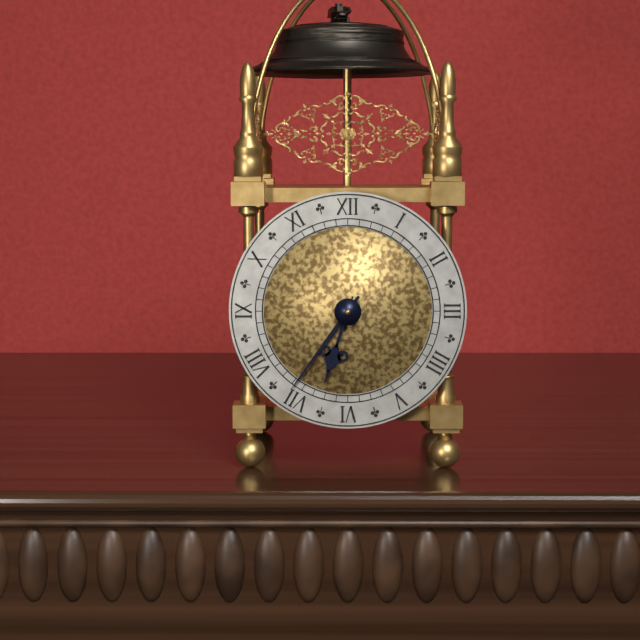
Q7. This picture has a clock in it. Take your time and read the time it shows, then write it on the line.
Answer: 6:36
